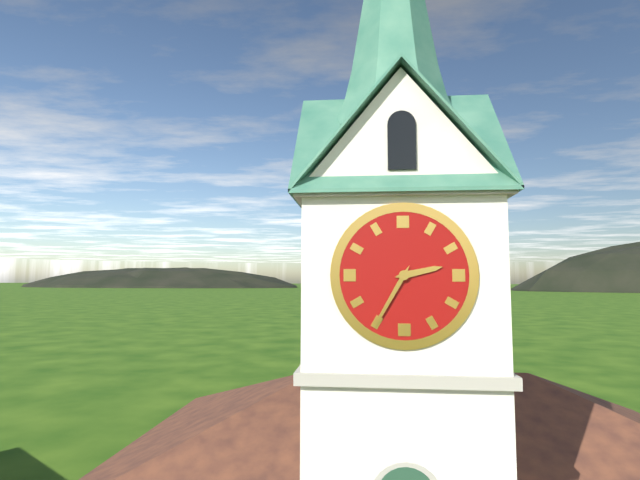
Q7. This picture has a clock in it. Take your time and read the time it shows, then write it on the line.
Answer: 2:35
